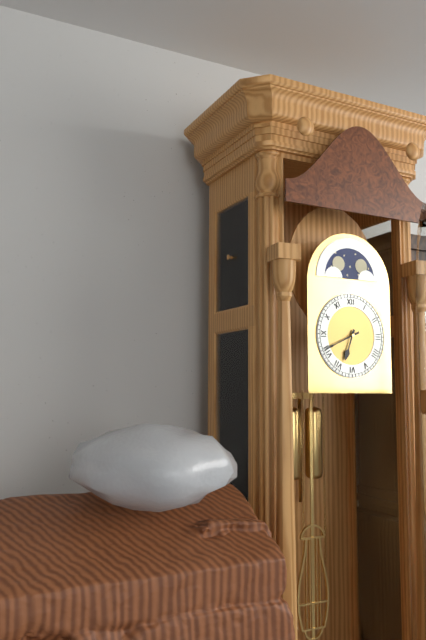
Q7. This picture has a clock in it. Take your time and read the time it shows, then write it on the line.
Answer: 6:41
